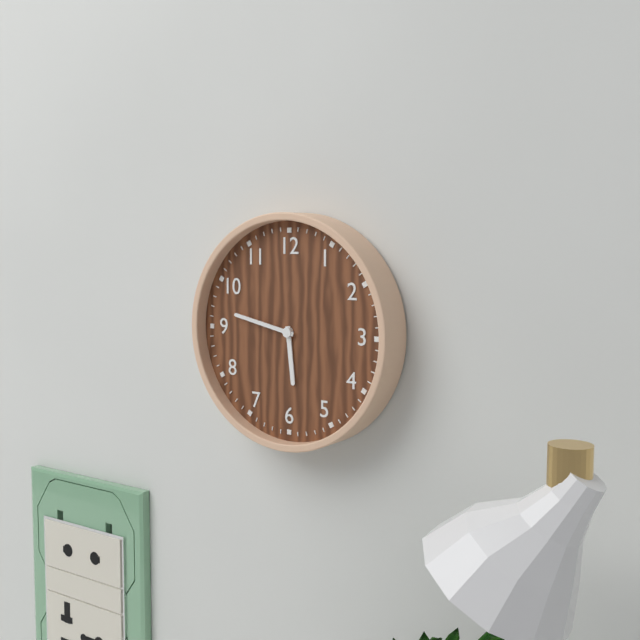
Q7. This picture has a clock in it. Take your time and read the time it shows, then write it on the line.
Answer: 5:47
